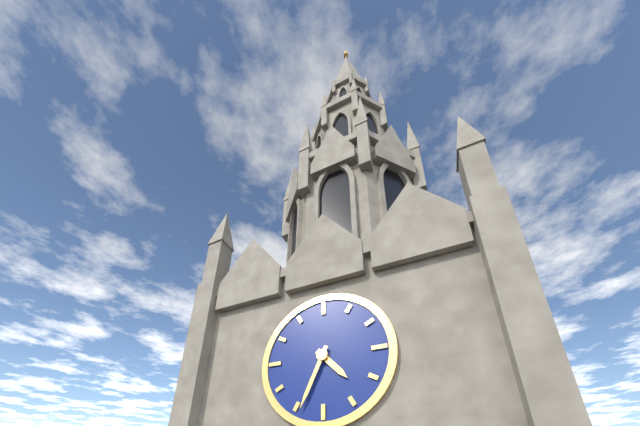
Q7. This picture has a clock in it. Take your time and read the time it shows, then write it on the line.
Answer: 4:34
